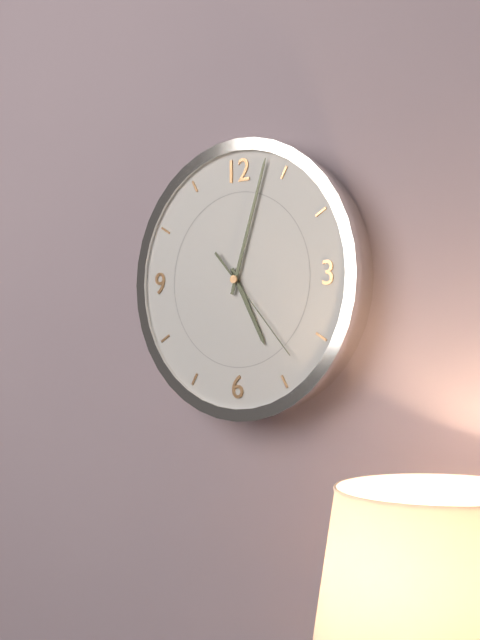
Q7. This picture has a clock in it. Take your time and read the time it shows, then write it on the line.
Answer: 5:03:23
